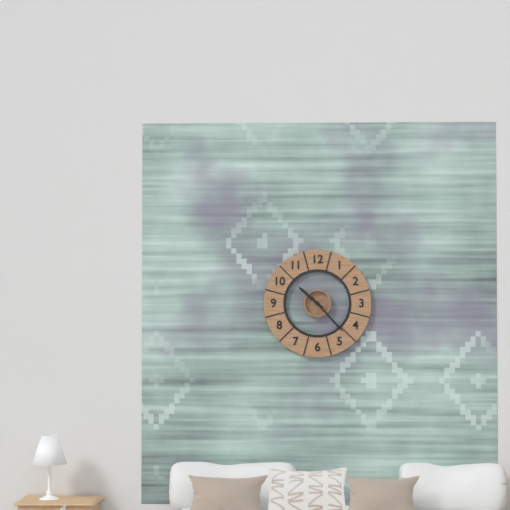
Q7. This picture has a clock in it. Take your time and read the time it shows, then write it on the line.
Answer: 10:23
